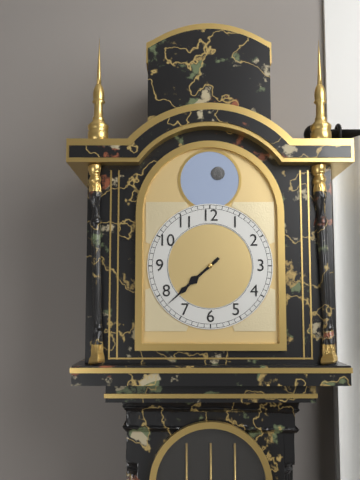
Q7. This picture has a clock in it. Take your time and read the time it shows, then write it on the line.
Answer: 7:38
